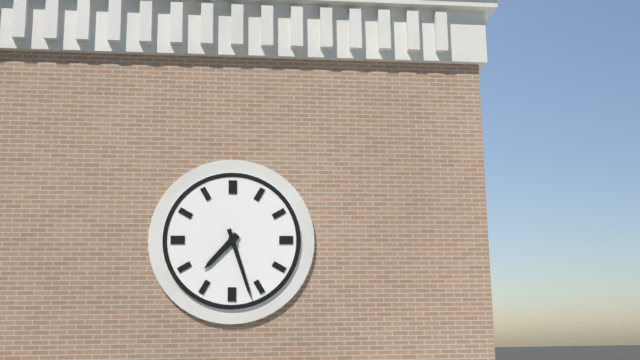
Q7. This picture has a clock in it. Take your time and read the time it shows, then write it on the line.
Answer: 7:27
